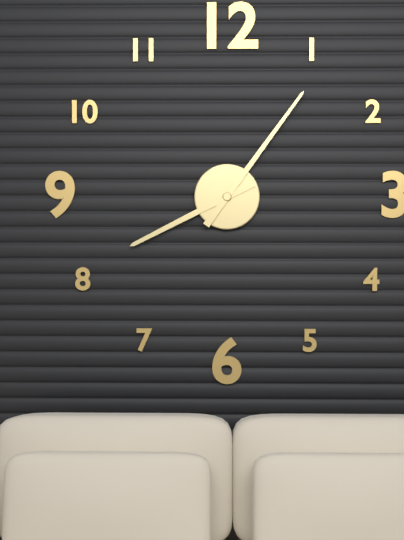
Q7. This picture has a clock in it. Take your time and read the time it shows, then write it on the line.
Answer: 8:06
